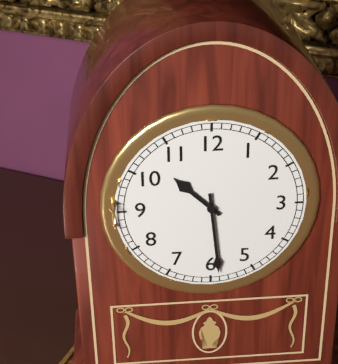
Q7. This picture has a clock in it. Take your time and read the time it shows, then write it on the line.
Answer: 10:29
